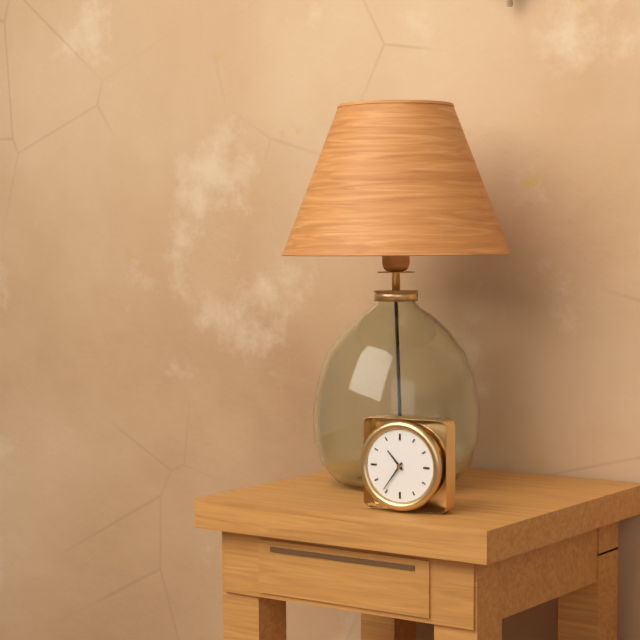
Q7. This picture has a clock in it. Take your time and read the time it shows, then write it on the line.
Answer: 10:36
